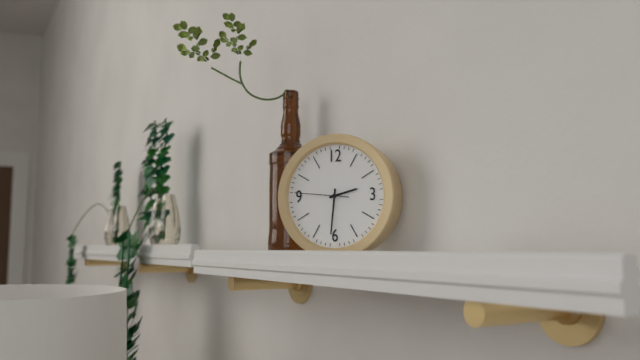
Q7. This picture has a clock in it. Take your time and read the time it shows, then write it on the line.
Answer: 2:31:46
